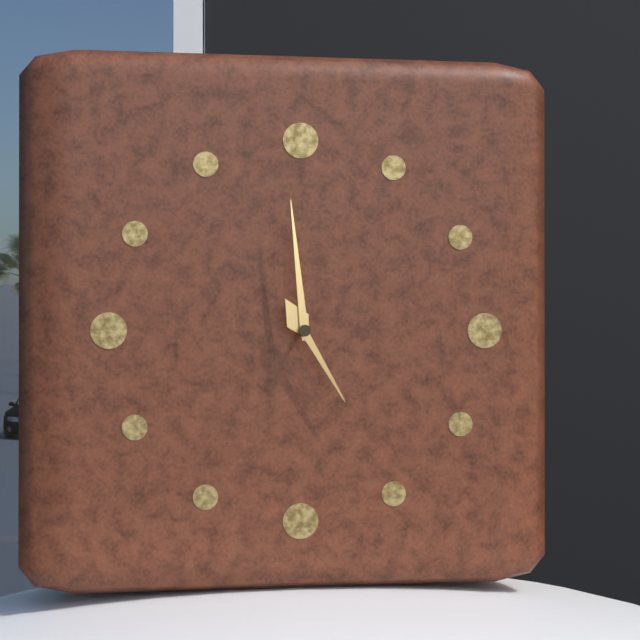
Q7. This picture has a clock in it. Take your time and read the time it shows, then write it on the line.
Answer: 4:59
